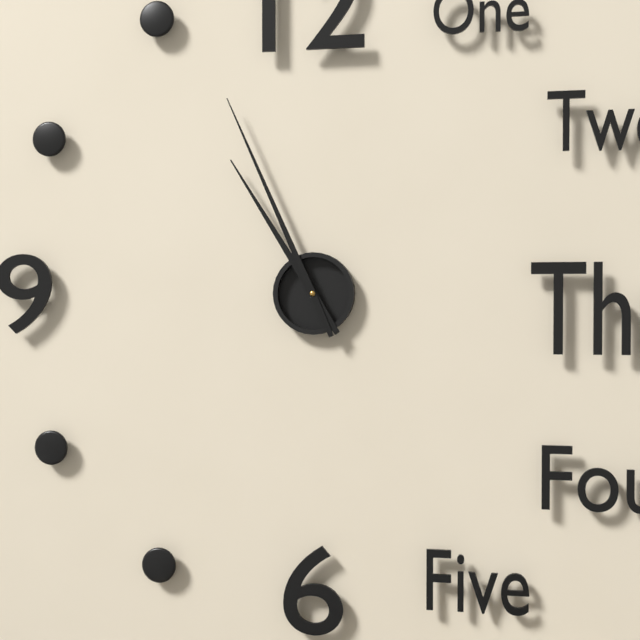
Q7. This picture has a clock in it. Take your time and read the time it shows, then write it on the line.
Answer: 10:56
